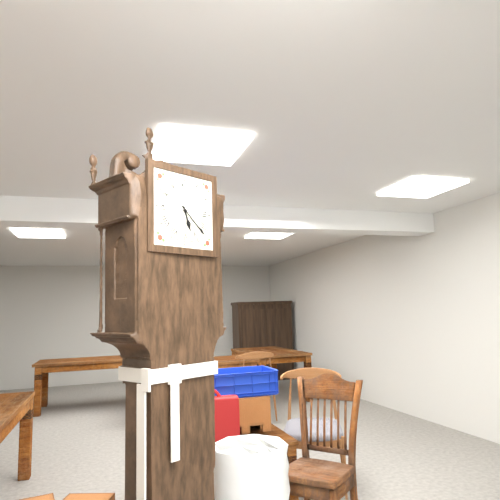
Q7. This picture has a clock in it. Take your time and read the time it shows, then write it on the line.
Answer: 5:22
